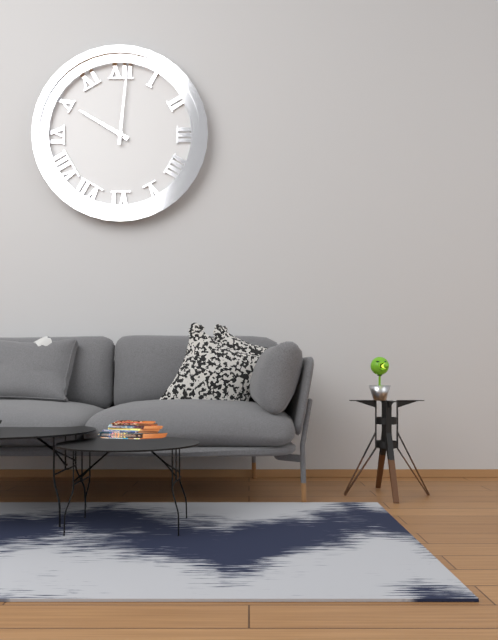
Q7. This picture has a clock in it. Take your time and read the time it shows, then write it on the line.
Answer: 10:01
